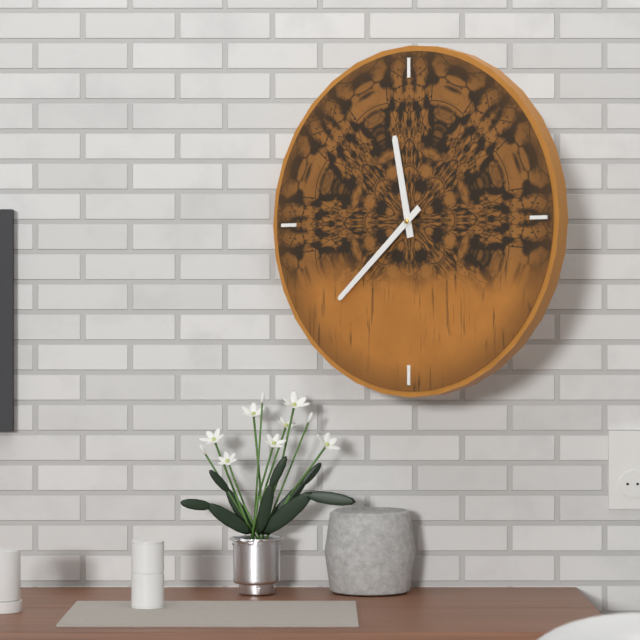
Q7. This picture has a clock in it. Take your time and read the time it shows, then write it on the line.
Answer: 11:38
